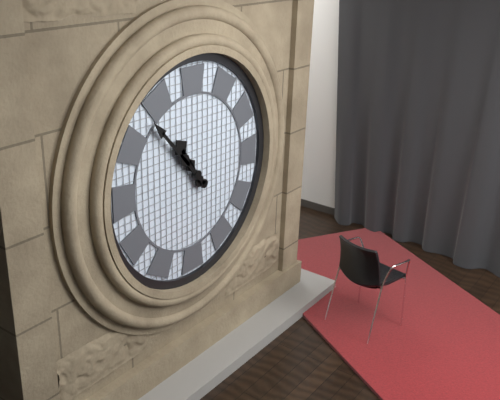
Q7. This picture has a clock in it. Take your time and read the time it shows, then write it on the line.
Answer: 10:53
